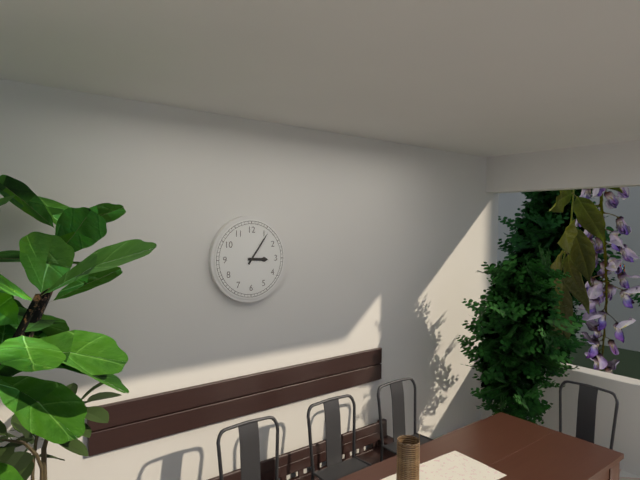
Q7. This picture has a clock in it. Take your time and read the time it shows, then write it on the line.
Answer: 3:06
